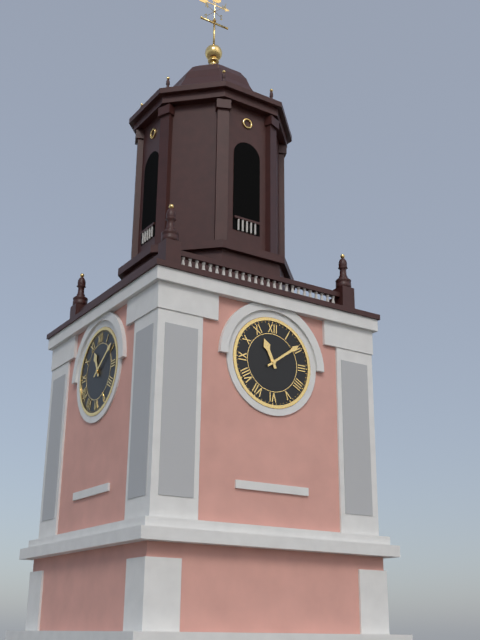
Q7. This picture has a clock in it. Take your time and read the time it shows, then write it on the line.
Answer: 11:09
